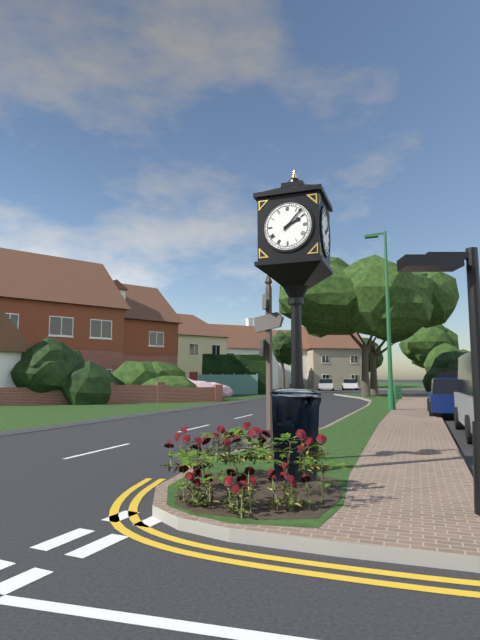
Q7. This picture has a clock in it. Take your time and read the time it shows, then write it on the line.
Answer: 2:07
